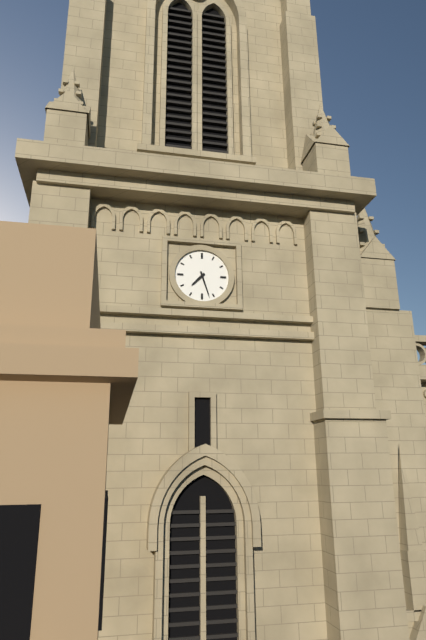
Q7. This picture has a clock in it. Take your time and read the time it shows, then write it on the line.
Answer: 7:27
